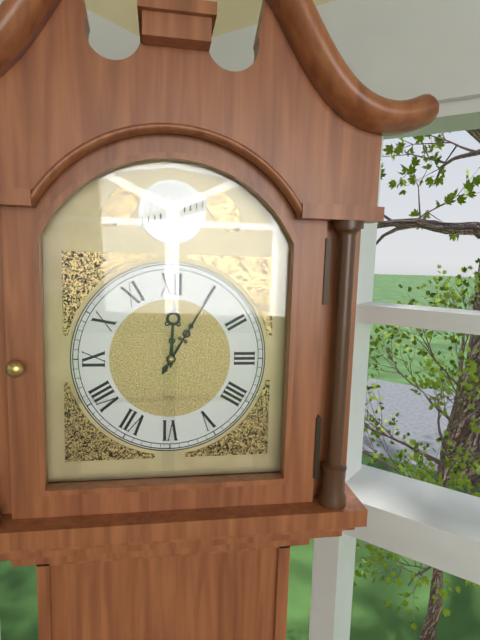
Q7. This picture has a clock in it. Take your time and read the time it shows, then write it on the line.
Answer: 12:05
